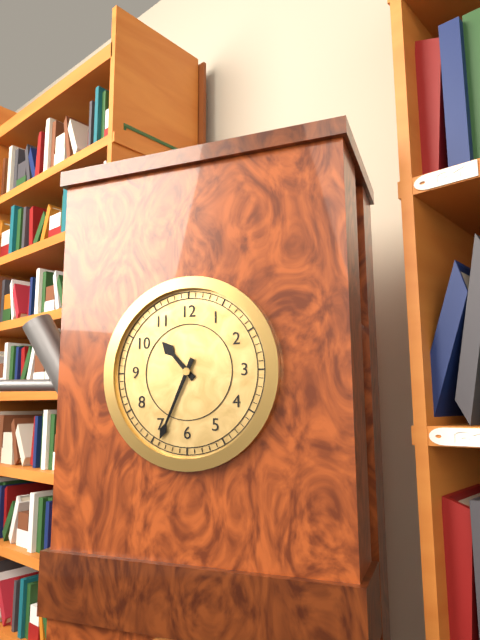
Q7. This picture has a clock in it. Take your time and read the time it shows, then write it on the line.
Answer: 10:34
